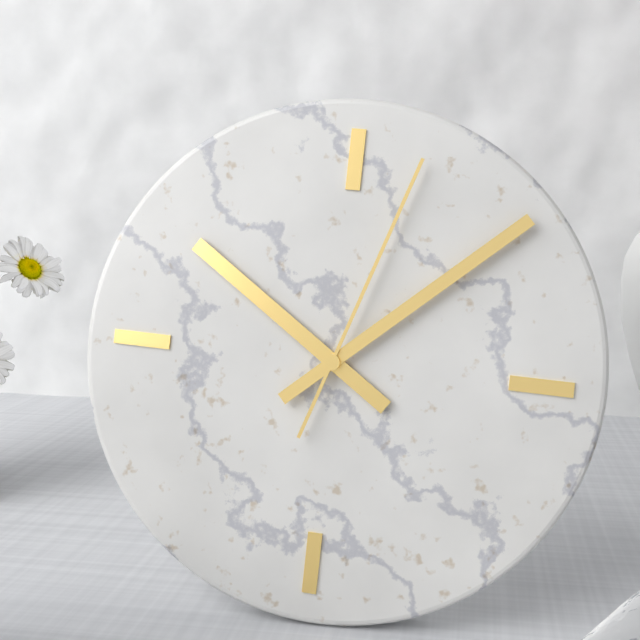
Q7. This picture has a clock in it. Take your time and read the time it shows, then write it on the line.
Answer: 10:08:03
